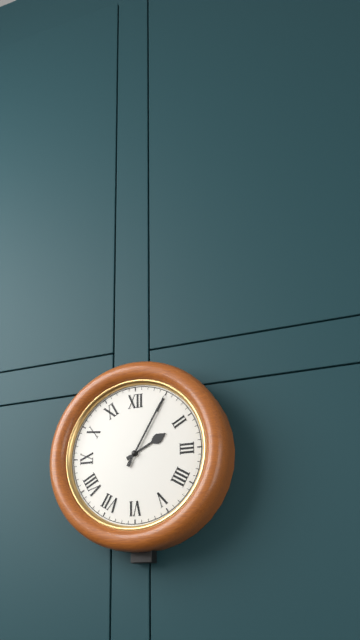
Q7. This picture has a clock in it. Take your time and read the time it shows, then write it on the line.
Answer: 2:05
